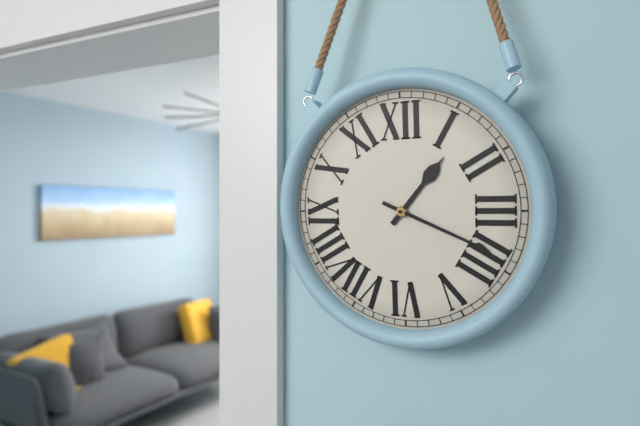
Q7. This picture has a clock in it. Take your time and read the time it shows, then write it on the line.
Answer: 1:19
